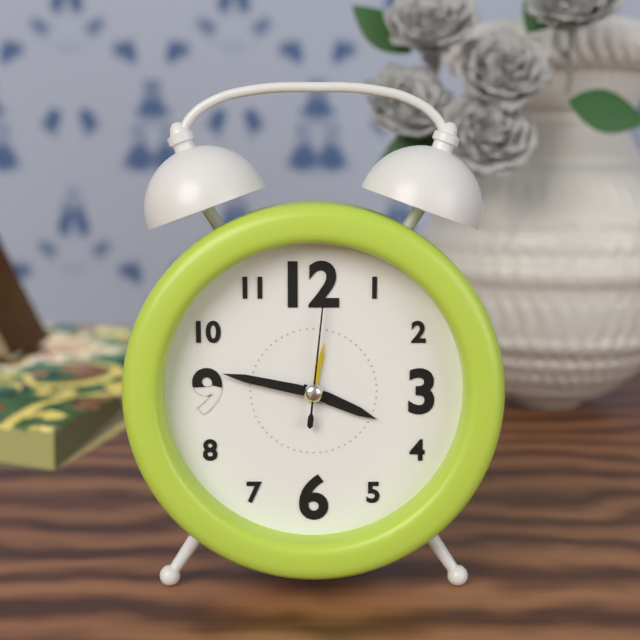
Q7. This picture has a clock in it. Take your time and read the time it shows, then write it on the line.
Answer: 3:47:01
